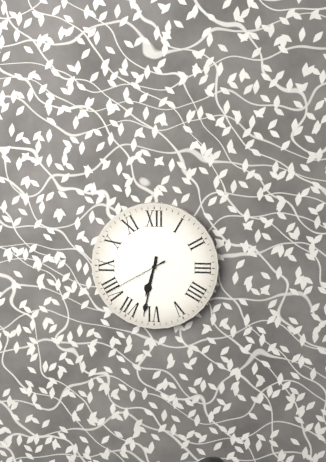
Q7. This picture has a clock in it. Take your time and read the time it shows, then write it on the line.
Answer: 6:32:40
